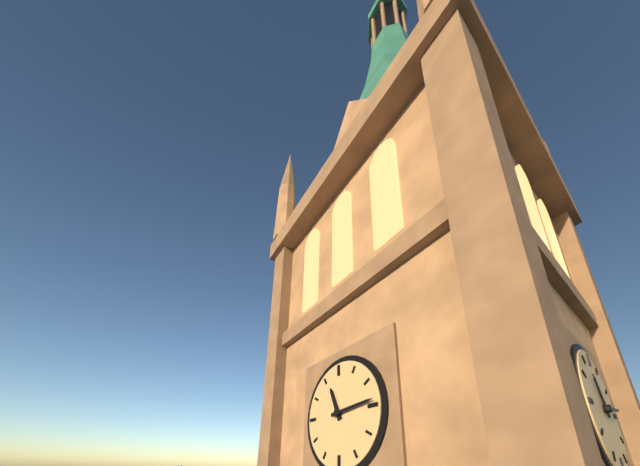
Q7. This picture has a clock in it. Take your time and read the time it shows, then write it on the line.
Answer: 11:14
